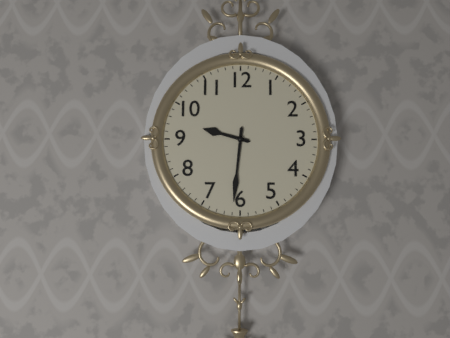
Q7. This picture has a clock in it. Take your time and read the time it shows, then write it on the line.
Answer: 9:31
